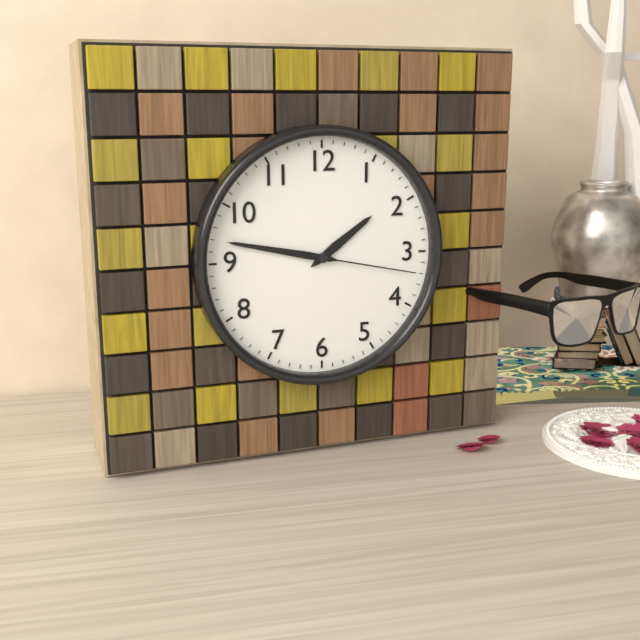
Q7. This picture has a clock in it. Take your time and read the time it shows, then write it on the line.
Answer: 1:47:17
